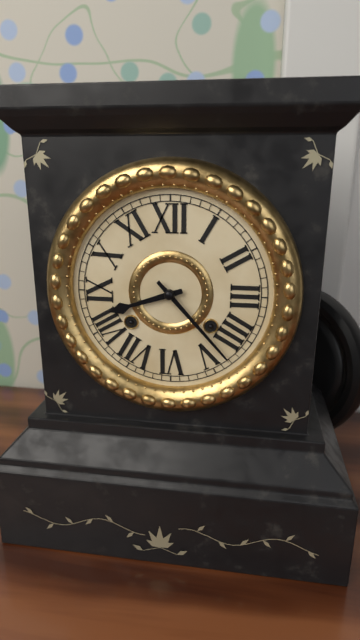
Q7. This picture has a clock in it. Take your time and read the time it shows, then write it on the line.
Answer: 8:23
